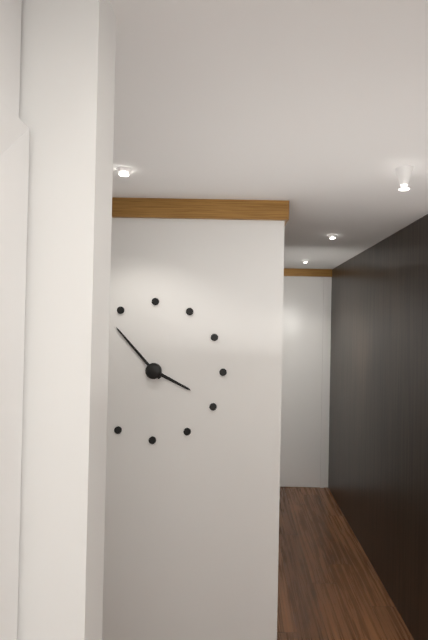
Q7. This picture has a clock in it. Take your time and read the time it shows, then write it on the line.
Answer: 3:53
